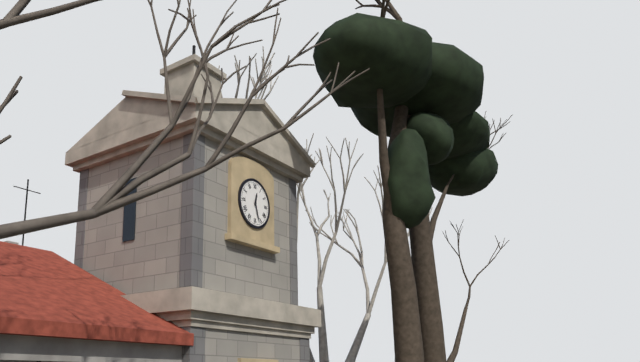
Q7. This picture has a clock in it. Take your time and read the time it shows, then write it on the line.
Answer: 12:27
